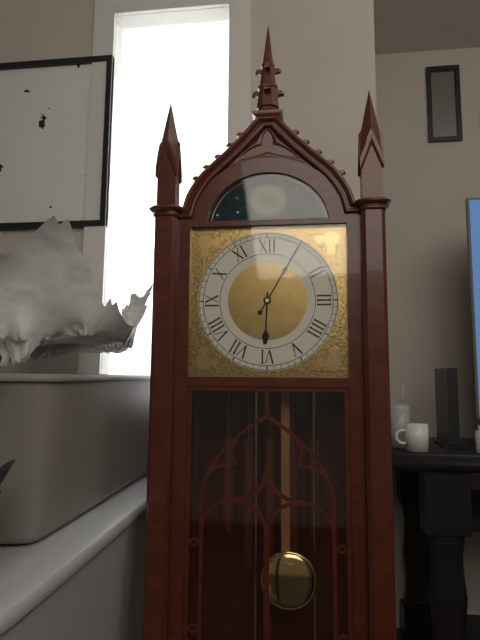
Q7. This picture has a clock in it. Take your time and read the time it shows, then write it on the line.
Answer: 6:05
